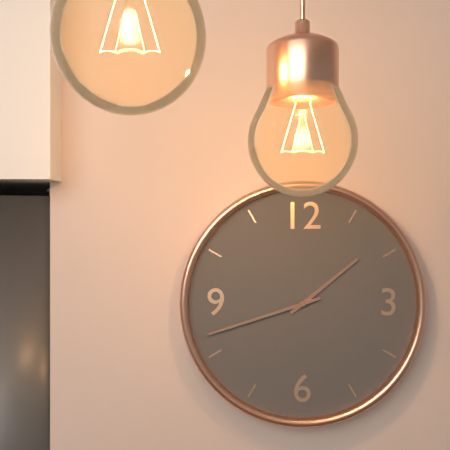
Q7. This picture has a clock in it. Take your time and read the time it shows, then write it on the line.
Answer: 1:42
